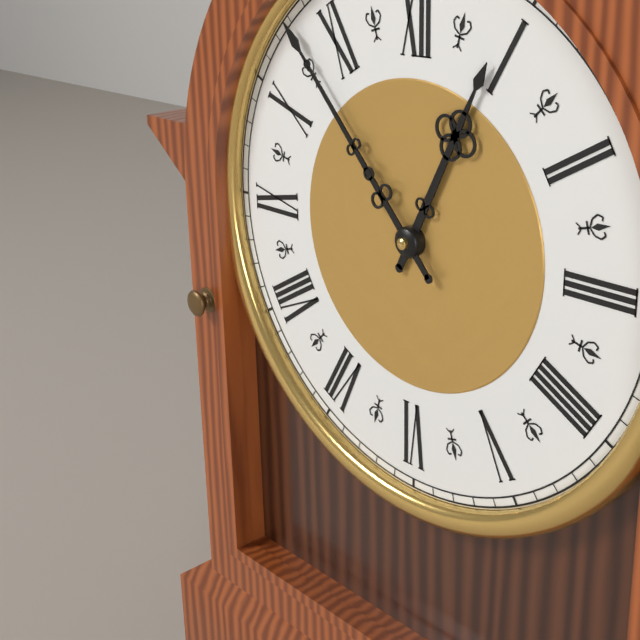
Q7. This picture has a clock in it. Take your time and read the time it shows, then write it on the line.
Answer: 12:53
